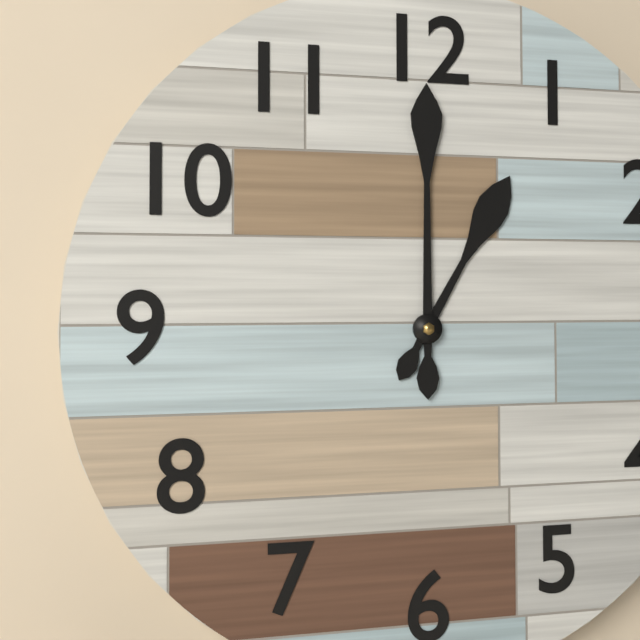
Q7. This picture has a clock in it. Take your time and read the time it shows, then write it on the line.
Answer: 1:00
